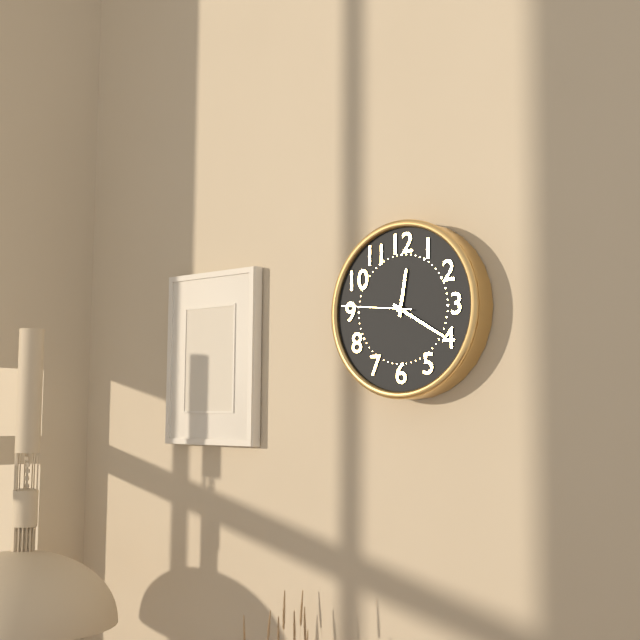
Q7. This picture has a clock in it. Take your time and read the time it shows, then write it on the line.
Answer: 12:20:46
